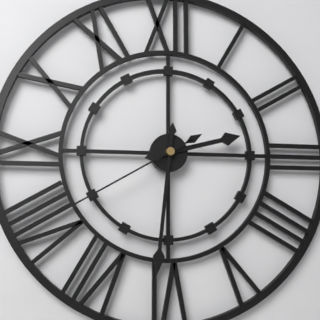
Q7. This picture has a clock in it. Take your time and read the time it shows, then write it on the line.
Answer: 2:31:40
